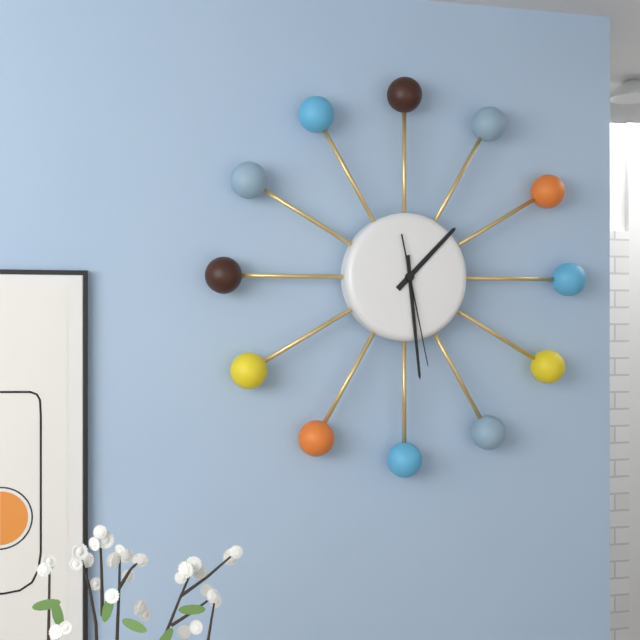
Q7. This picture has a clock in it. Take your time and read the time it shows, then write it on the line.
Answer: 1:29:28
